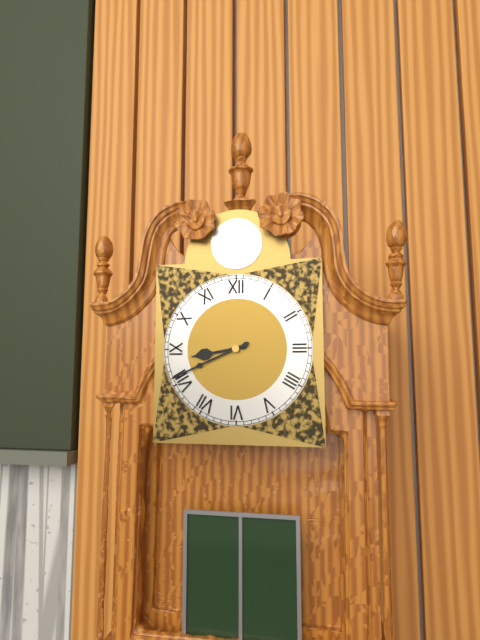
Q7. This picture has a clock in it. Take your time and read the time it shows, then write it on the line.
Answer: 8:41
